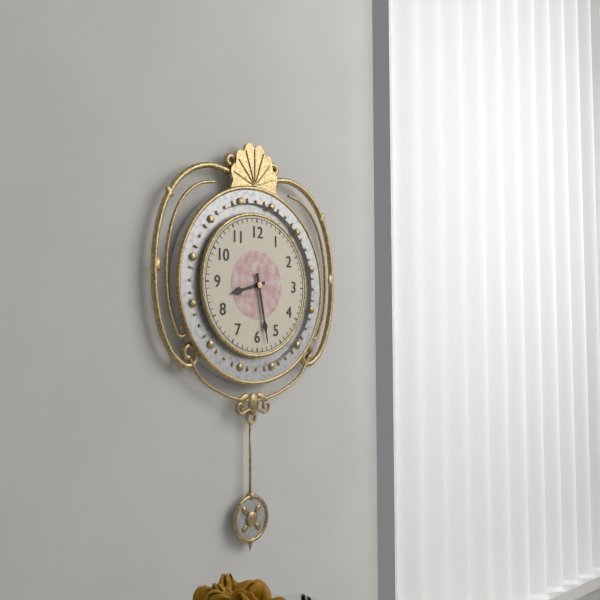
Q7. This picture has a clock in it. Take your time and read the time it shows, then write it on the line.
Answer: 8:28
